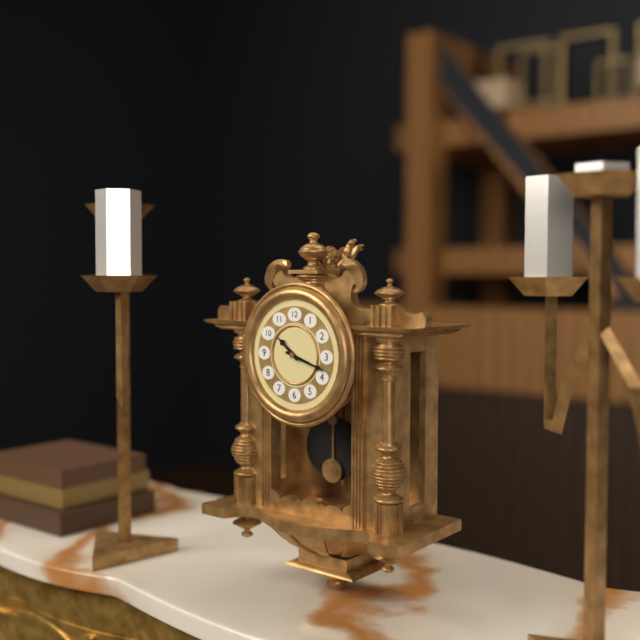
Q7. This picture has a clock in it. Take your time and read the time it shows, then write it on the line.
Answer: 10:18
